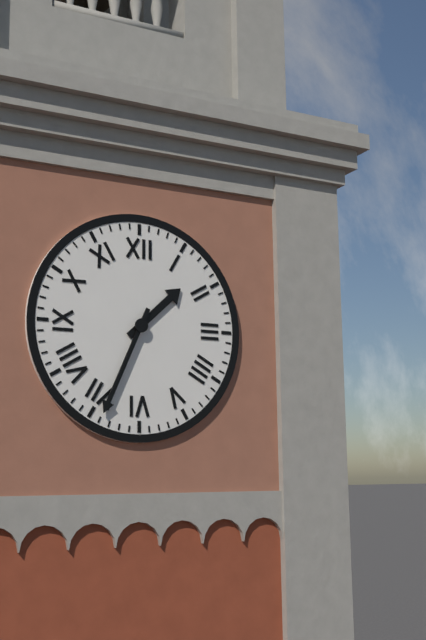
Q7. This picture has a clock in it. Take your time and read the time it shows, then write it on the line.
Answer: 1:34
